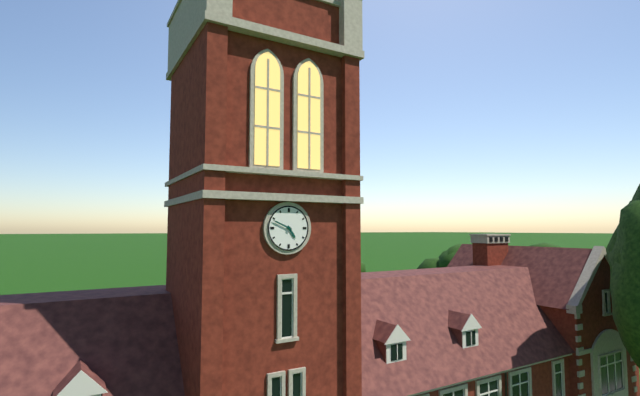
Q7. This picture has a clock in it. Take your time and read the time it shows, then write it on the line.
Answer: 4:49
